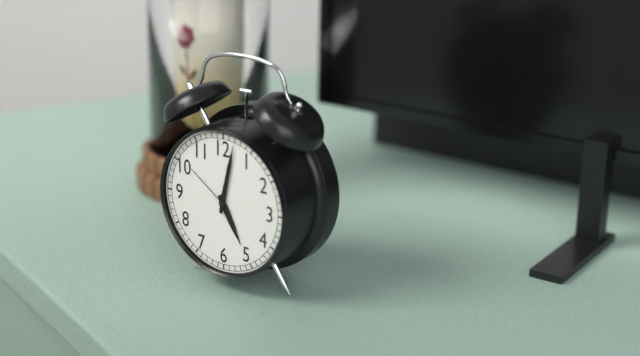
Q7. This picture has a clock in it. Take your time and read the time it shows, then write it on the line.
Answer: 5:02:51
